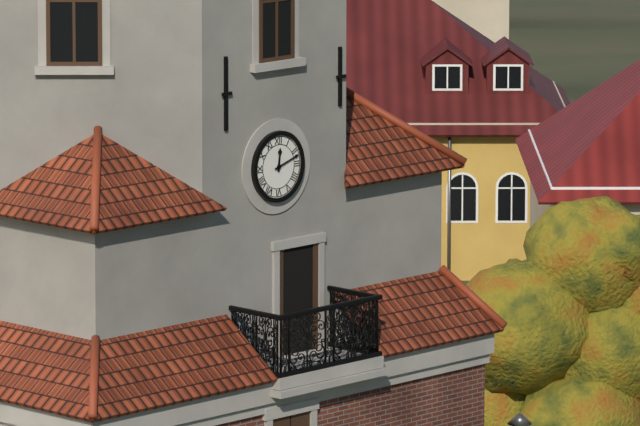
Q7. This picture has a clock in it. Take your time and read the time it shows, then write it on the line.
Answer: 12:12
